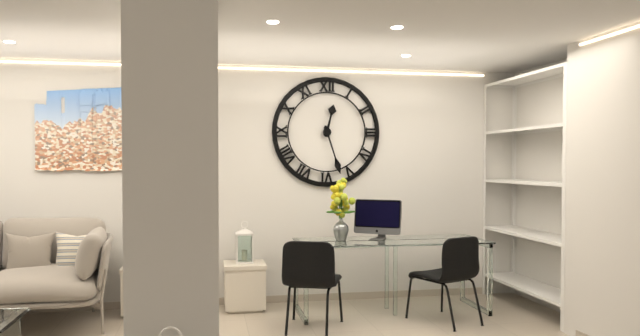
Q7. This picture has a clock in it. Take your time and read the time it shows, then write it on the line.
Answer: 12:27
